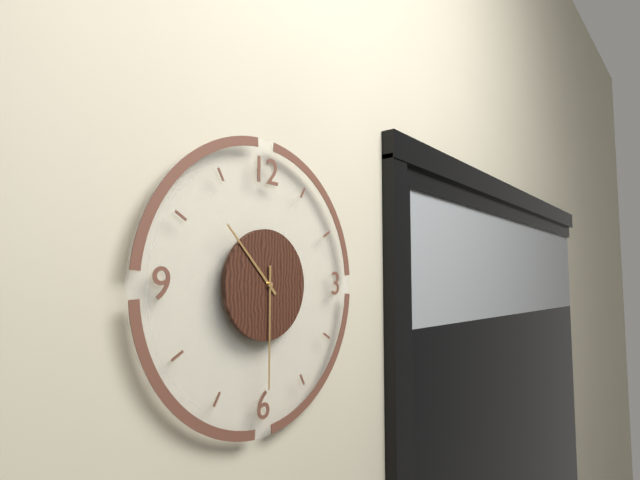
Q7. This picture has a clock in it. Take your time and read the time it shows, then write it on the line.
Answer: 10:30
